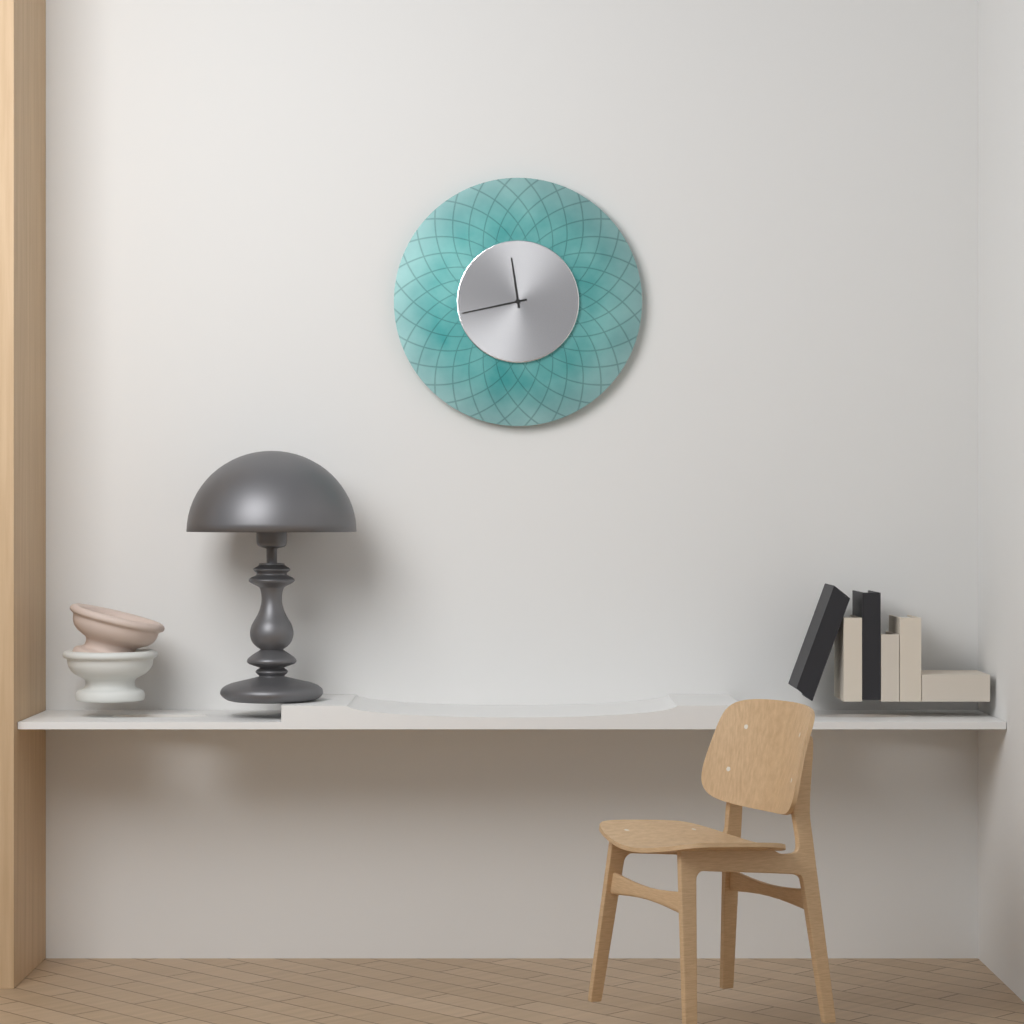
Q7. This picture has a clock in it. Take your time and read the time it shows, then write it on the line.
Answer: 11:43
